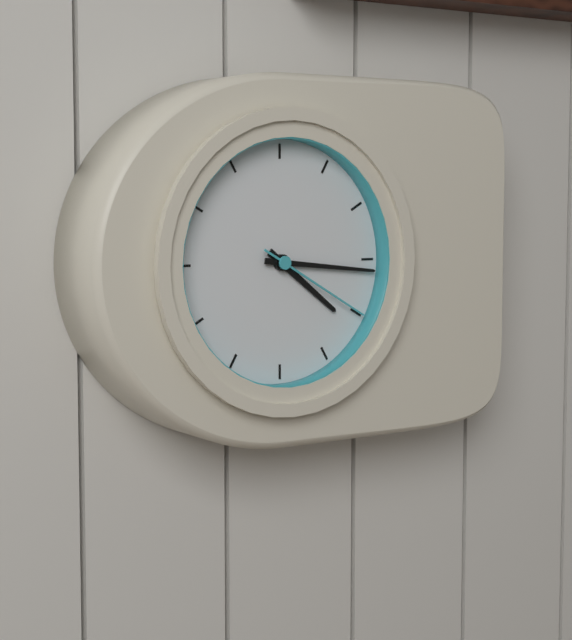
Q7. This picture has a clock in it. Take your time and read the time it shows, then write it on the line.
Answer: 4:16:20
